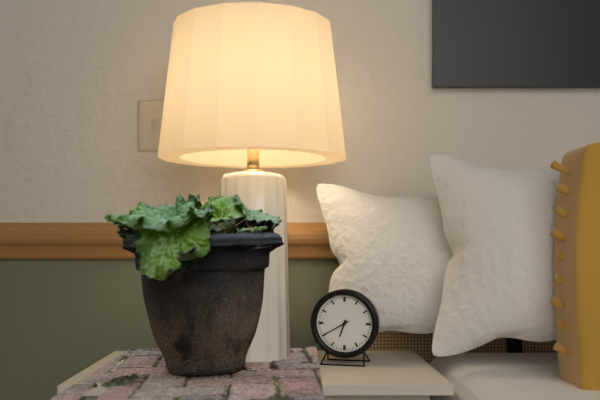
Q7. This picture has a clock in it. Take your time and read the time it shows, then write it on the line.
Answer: 6:40
